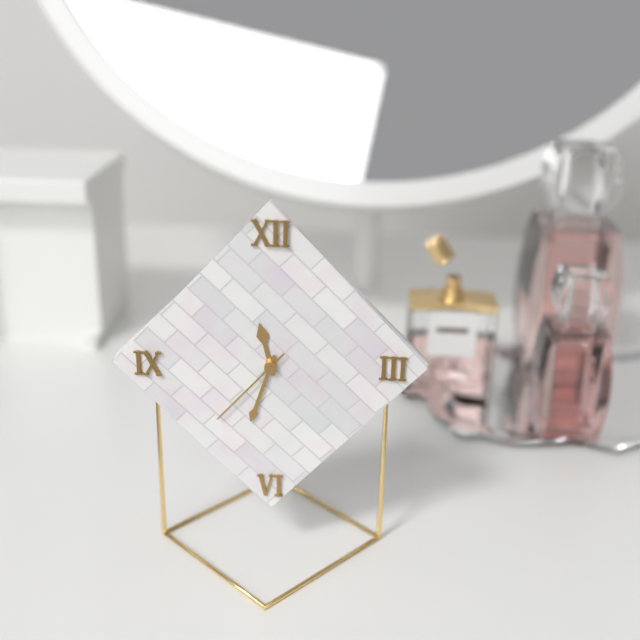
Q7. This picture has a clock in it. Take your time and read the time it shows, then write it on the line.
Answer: 11:33:37
